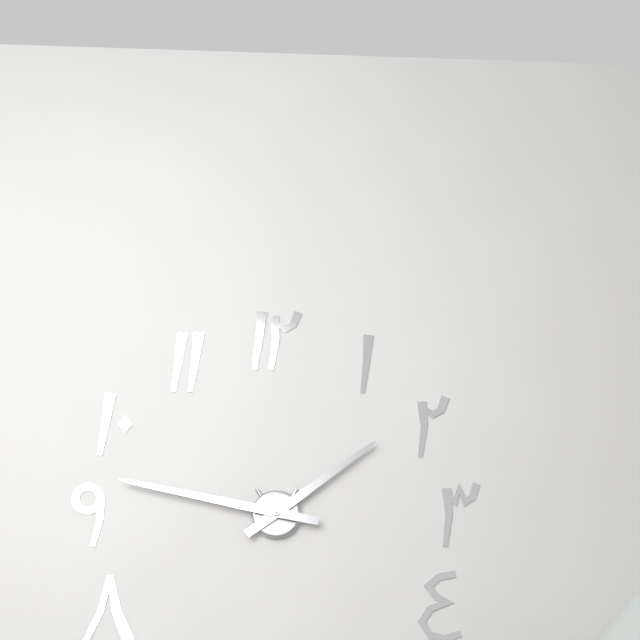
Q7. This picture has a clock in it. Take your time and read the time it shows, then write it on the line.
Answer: 1:47
